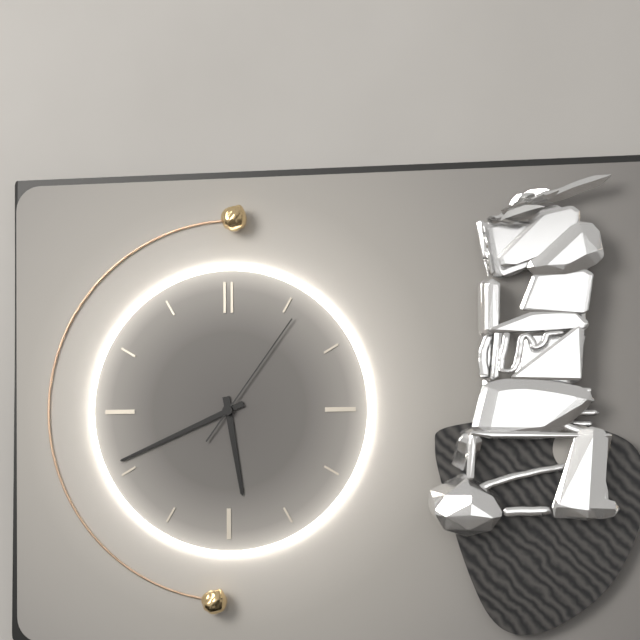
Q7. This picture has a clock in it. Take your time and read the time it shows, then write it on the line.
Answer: 5:41:06
